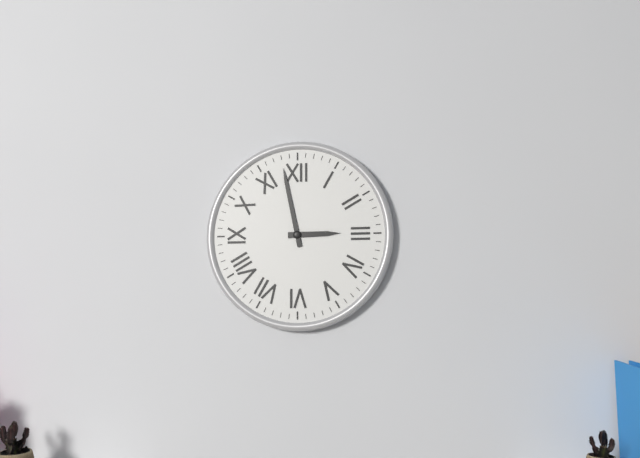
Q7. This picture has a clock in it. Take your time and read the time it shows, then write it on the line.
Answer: 2:58
